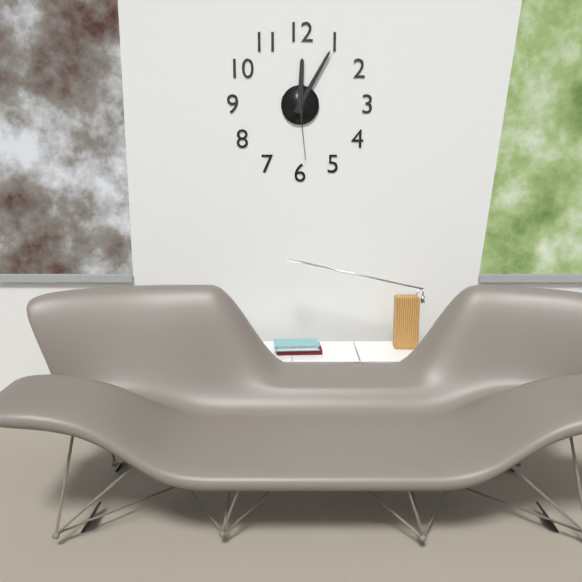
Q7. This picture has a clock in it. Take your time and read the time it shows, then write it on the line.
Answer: 12:05:29
